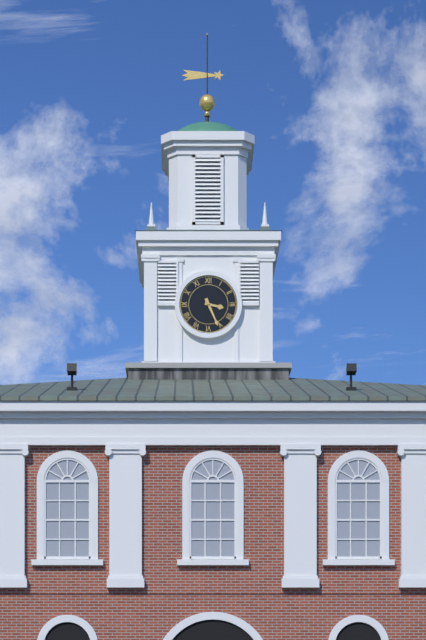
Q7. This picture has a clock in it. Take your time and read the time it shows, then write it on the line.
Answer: 3:26
